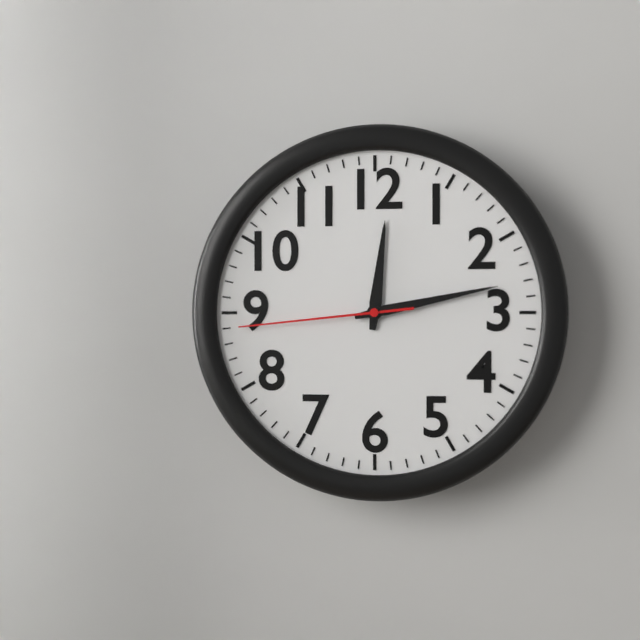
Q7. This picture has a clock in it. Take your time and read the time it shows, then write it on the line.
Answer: 12:13:44
